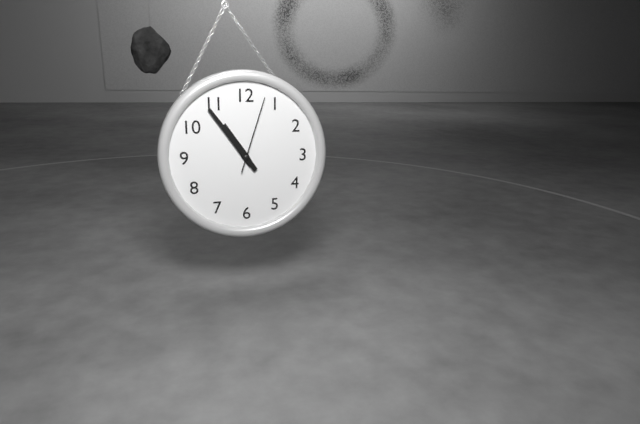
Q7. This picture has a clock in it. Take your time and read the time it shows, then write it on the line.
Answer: 10:54:03
